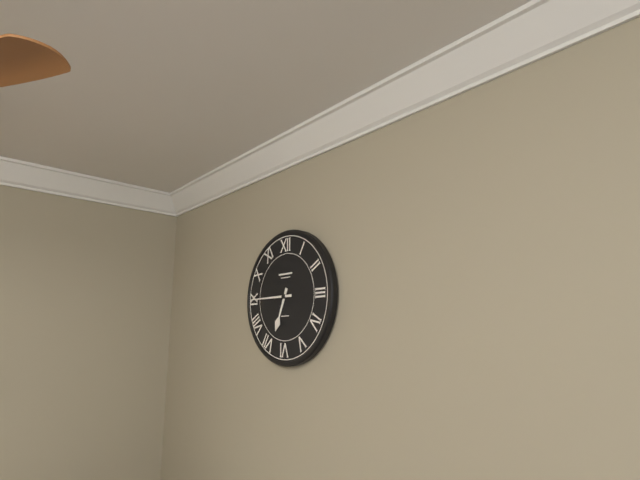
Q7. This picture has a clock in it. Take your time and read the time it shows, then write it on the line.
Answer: 6:45
